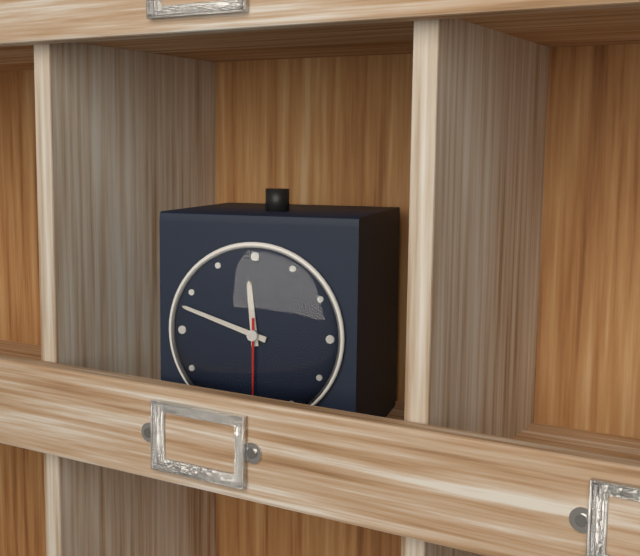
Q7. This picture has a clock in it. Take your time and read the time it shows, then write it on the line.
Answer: 11:48:30
